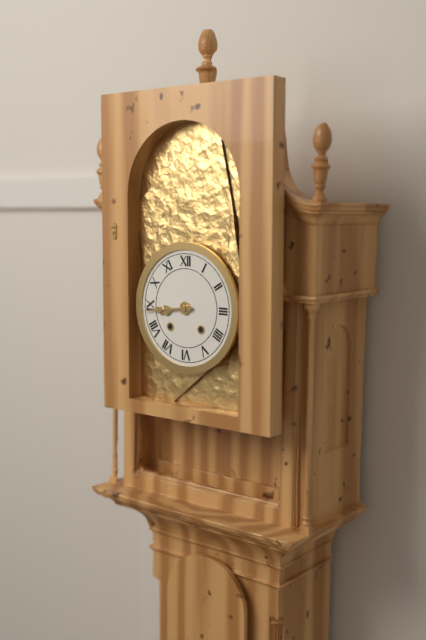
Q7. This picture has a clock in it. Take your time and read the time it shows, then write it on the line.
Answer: 8:44
